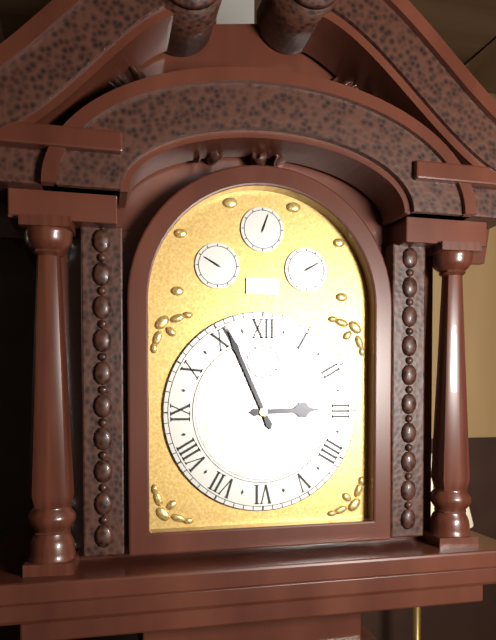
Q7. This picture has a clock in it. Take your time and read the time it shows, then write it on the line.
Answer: 2:56
